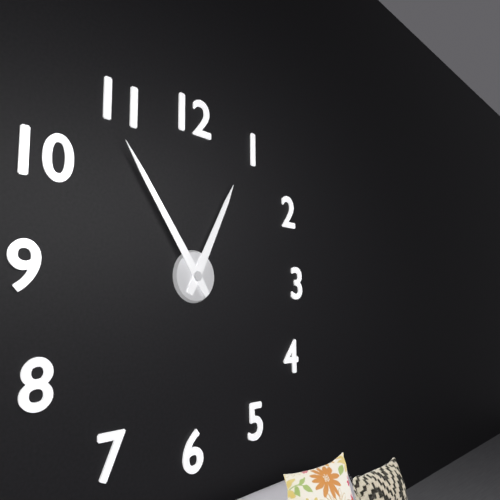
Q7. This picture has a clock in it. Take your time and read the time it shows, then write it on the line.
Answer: 12:54
